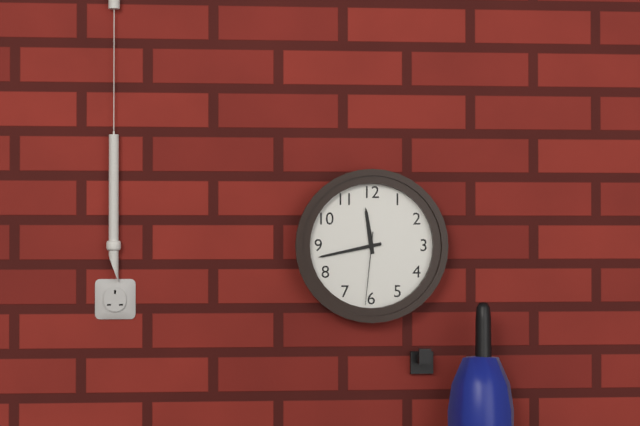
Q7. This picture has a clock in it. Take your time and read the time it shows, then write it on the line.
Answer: 11:43:31
